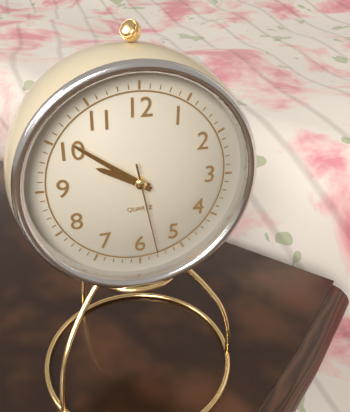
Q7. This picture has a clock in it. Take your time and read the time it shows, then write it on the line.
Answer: 9:51:28
